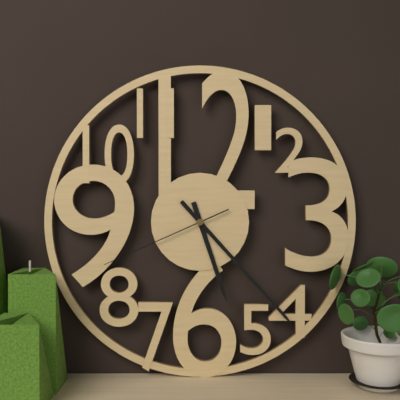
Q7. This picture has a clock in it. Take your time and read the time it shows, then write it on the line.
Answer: 5:23:41
